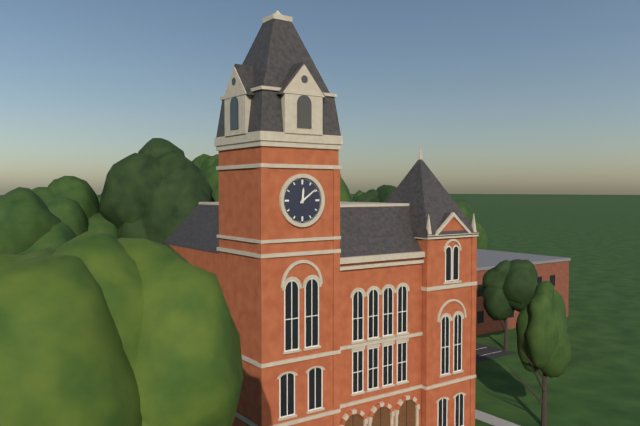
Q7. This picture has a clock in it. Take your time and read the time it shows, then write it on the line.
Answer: 12:09
